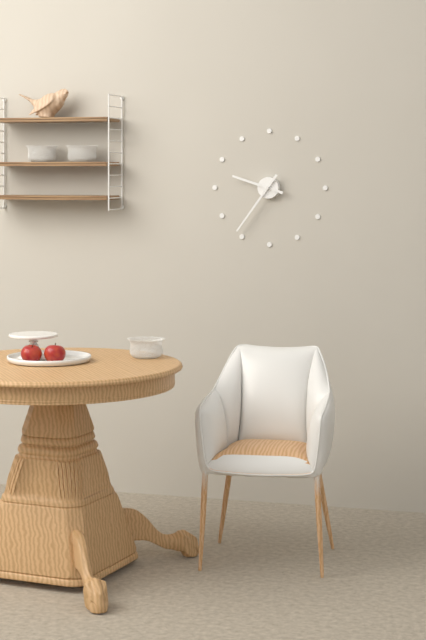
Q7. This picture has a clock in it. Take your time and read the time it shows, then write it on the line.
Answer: 9:36
